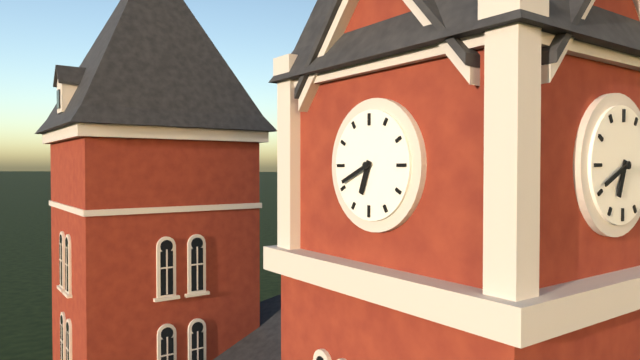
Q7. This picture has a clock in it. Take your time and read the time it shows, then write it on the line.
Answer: 6:41
